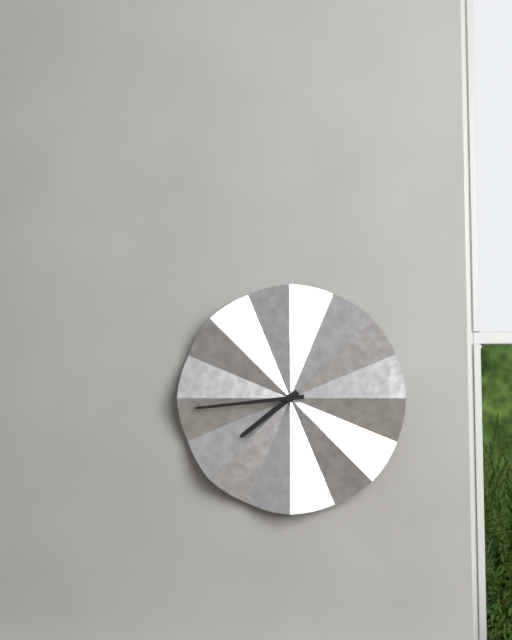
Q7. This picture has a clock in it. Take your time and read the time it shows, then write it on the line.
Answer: 7:44
